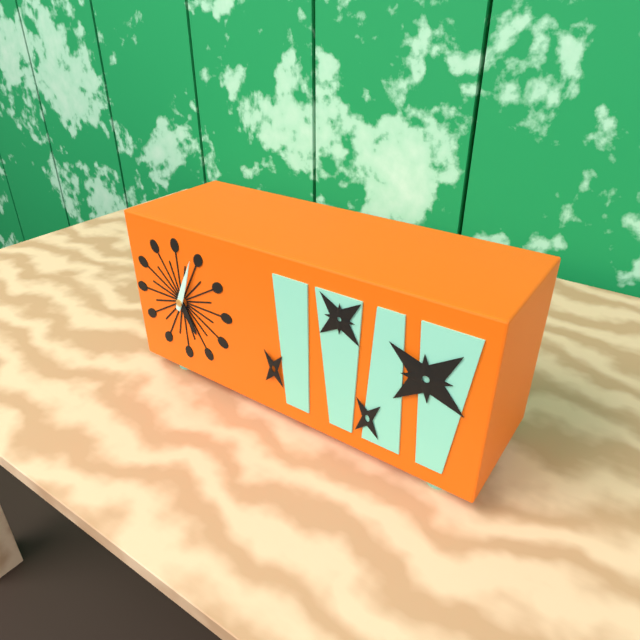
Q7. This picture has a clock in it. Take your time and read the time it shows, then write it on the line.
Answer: 5:04
